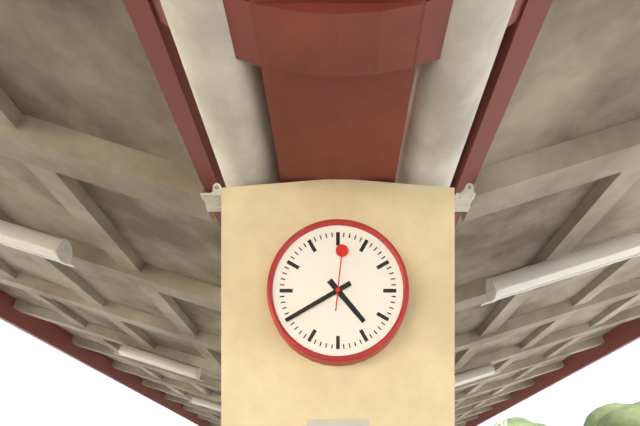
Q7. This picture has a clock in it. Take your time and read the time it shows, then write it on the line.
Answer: 4:40:01
